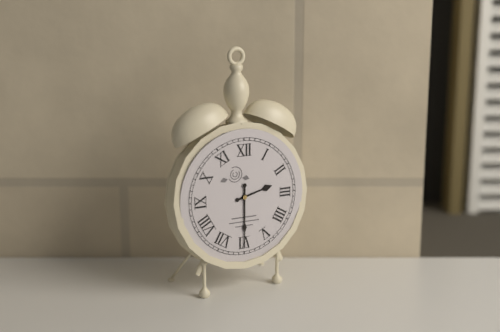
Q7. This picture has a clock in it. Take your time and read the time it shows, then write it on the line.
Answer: 2:30
